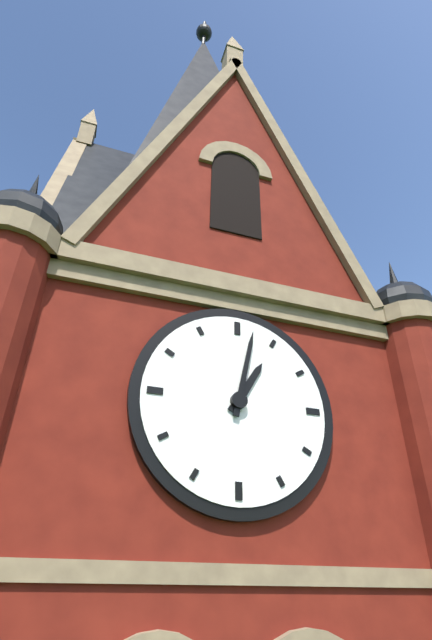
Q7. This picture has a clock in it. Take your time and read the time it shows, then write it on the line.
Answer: 1:02
